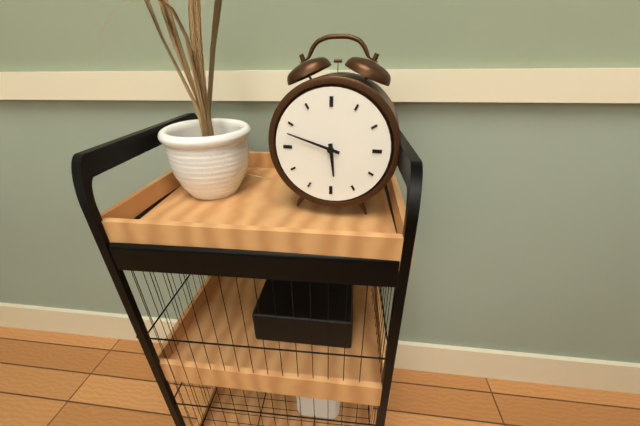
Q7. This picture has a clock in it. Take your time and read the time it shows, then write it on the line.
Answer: 5:48
